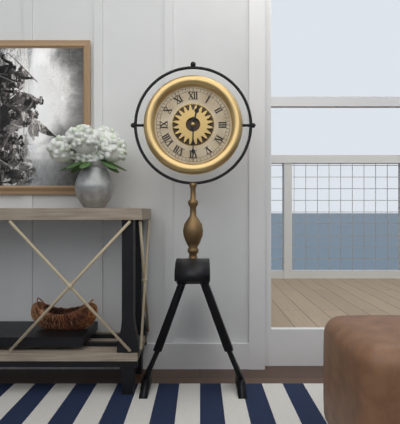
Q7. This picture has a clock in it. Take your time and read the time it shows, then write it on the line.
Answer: 12:30
